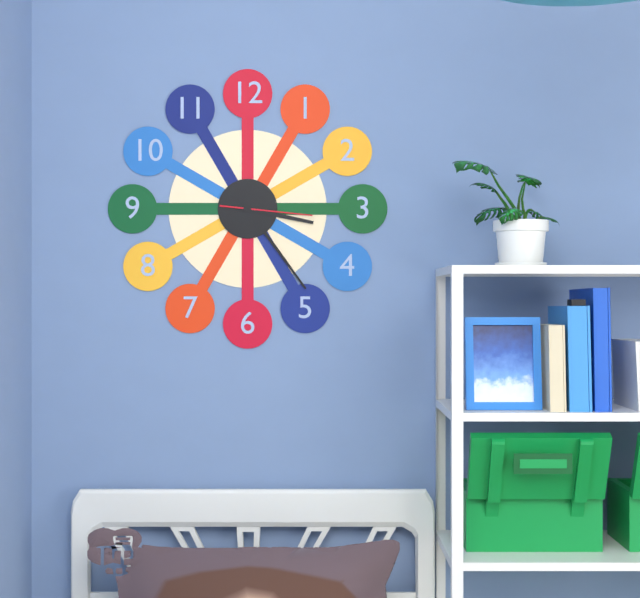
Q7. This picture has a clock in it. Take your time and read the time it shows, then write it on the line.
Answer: 3:24:16
